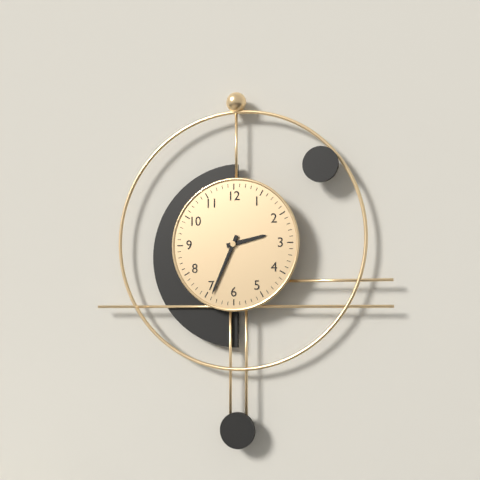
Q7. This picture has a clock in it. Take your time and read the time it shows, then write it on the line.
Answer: 2:34
